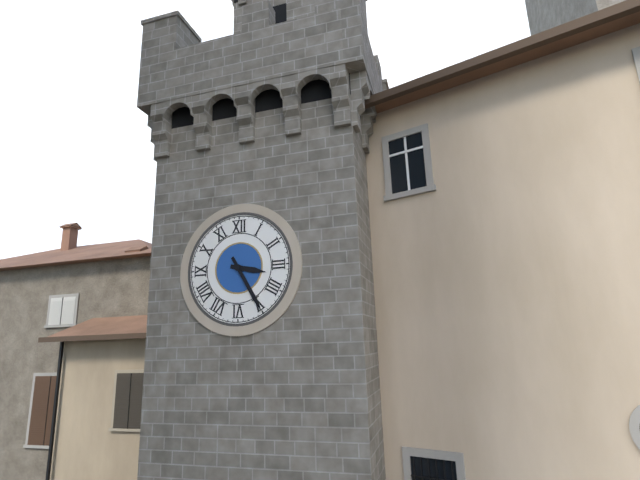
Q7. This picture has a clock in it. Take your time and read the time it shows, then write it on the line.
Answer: 3:25
